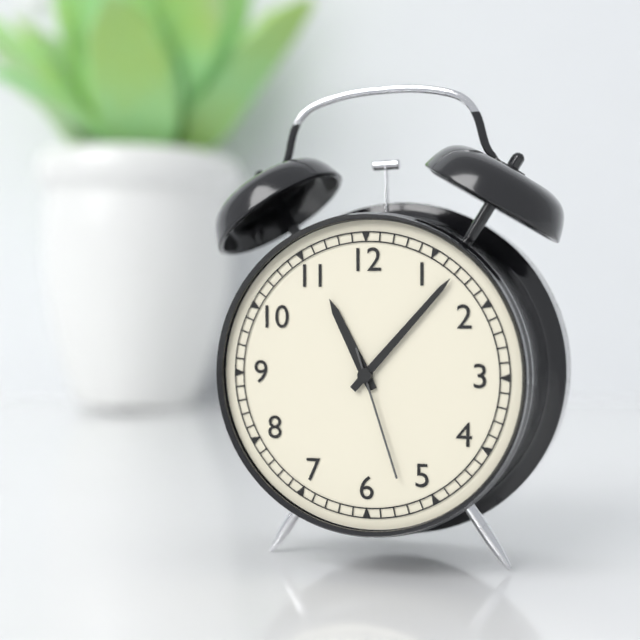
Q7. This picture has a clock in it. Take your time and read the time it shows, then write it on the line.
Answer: 11:07:27
